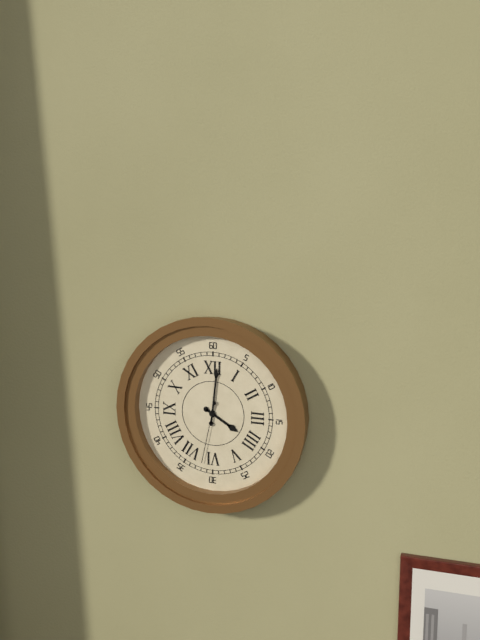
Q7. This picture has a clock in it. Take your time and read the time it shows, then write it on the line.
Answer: 4:01:32
